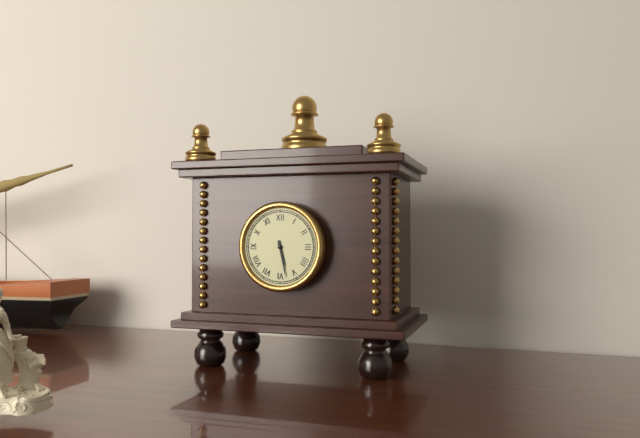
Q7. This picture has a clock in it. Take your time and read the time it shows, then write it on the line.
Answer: 5:28
